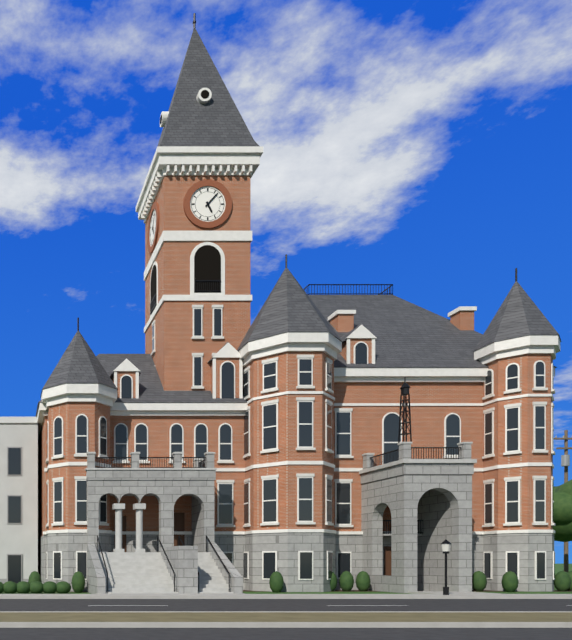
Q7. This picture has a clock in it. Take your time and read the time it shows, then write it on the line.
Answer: 5:07
